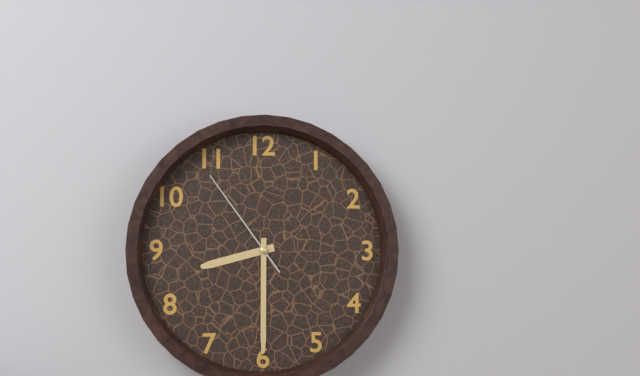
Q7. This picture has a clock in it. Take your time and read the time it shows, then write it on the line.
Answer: 8:30:54
